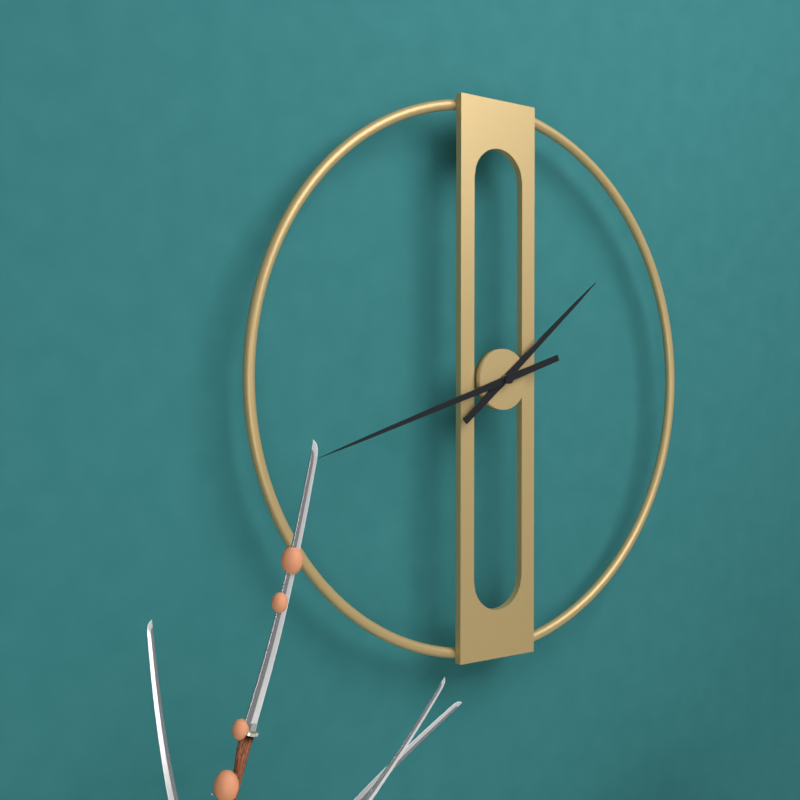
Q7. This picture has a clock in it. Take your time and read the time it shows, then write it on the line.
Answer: 1:42
